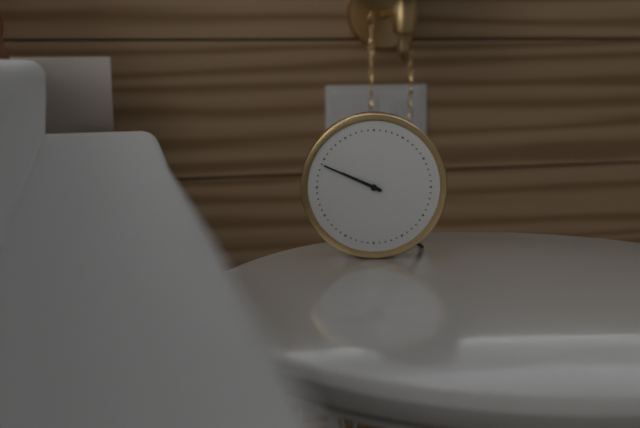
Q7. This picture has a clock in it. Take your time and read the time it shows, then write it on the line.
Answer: 9:49
